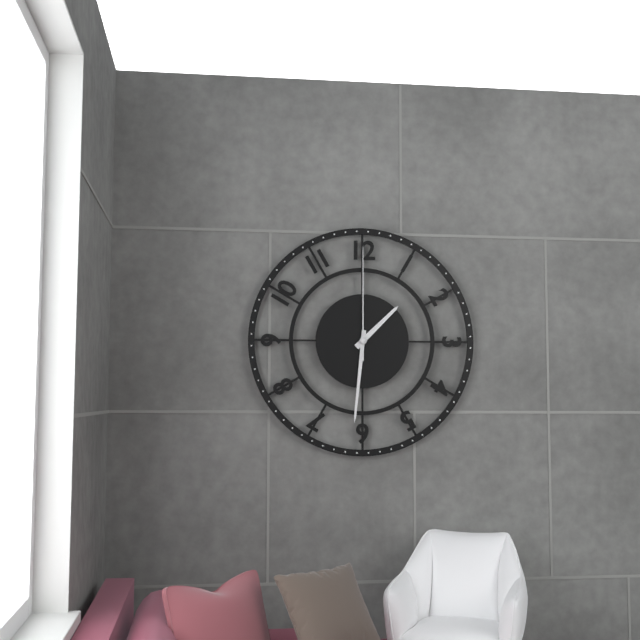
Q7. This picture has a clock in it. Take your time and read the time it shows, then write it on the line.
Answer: 1:31:00
